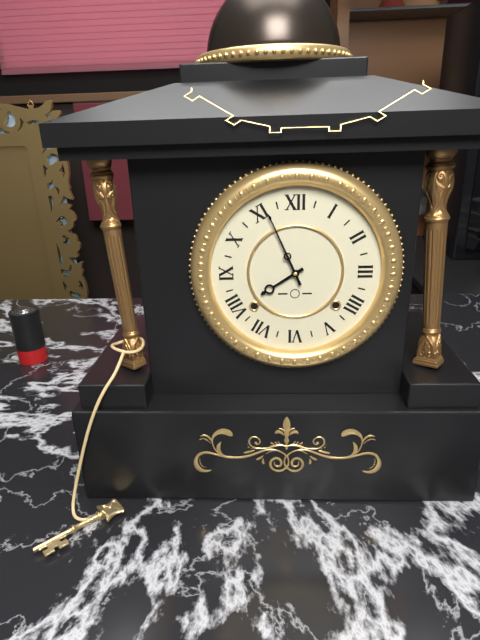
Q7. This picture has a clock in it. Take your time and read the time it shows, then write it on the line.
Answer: 7:56
